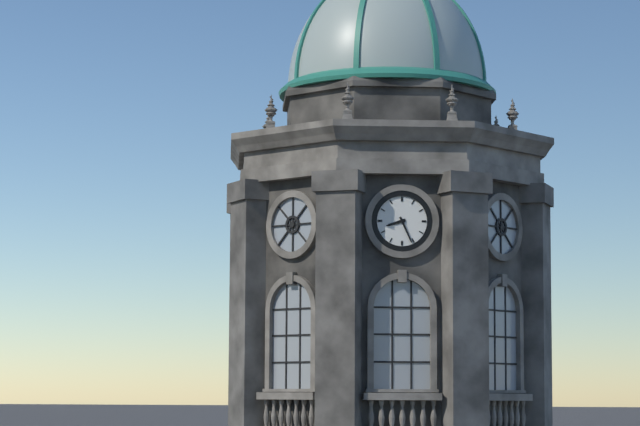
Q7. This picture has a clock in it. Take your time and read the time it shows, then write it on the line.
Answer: 8:26
